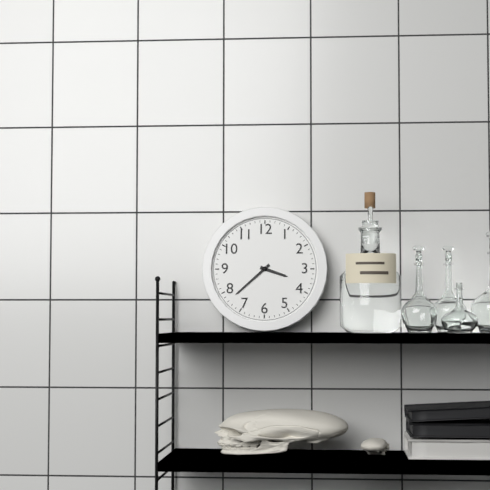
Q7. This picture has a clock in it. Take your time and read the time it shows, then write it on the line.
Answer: 3:38
